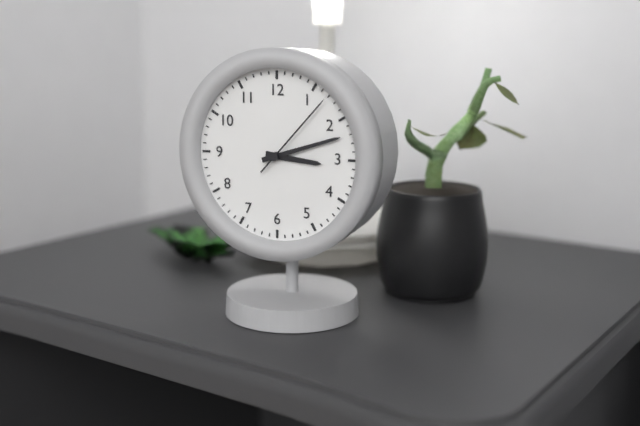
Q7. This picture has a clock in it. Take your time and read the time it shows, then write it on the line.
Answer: 3:12:07
